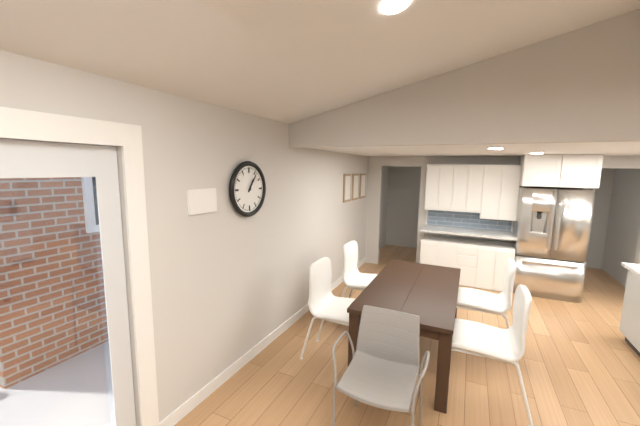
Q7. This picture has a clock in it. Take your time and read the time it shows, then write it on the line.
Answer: 1:06
